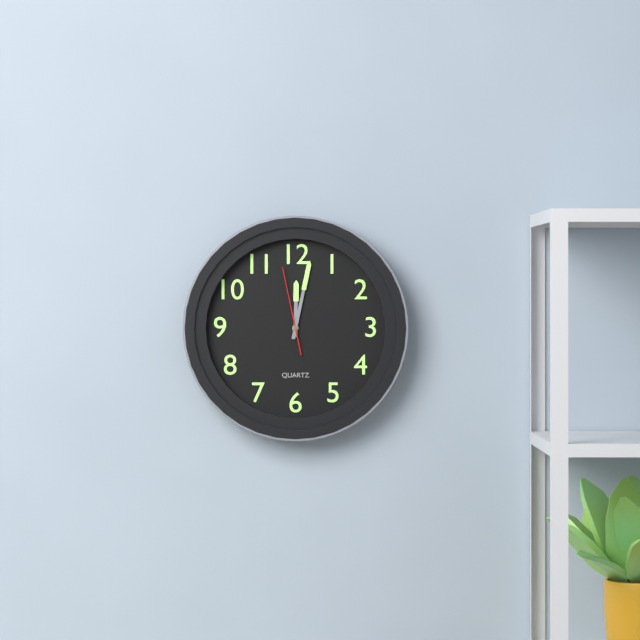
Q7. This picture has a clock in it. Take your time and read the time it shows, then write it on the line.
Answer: 12:02:58
